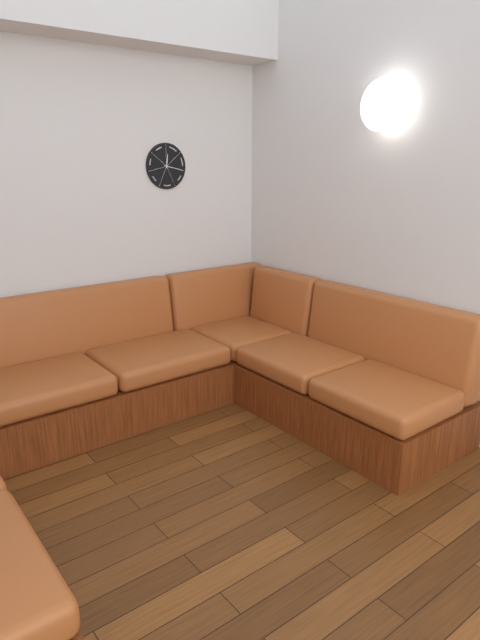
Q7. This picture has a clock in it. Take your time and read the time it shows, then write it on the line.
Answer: 12:17
